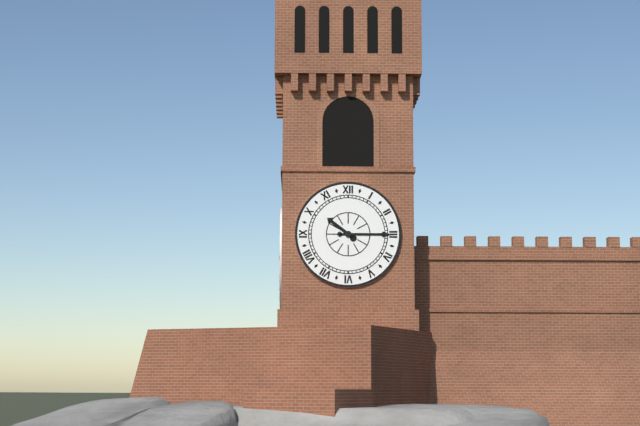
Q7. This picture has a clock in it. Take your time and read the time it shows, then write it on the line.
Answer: 10:15
